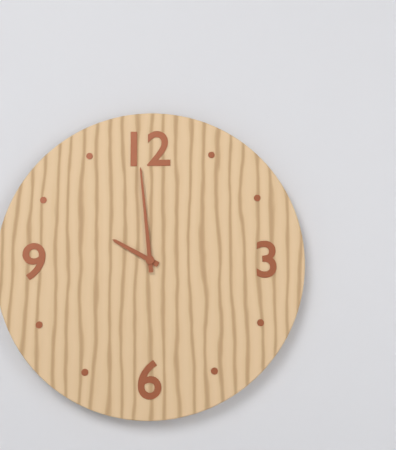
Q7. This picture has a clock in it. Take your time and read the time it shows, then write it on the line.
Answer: 9:59
